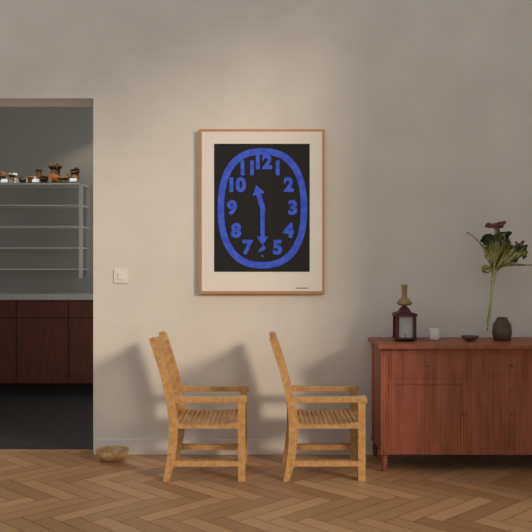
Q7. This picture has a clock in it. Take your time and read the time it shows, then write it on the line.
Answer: 11:30
